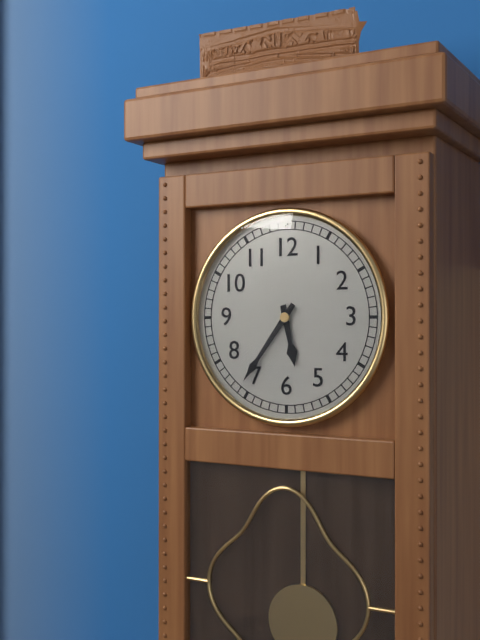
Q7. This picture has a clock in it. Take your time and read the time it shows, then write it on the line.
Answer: 5:36
